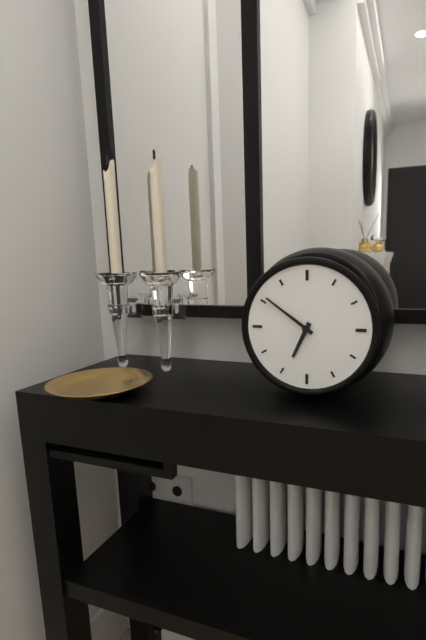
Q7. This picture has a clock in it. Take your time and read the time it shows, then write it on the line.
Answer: 6:51
